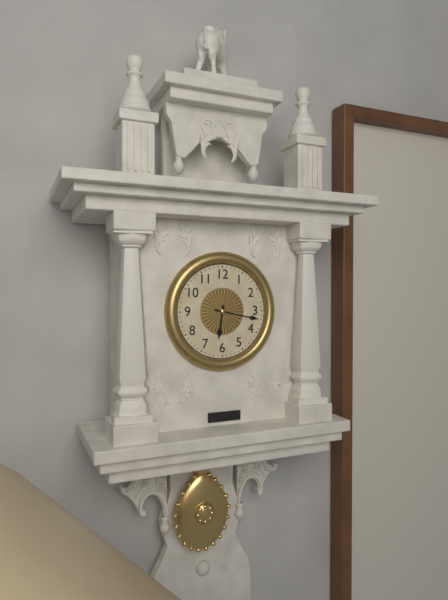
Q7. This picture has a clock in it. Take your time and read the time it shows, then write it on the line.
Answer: 6:17
